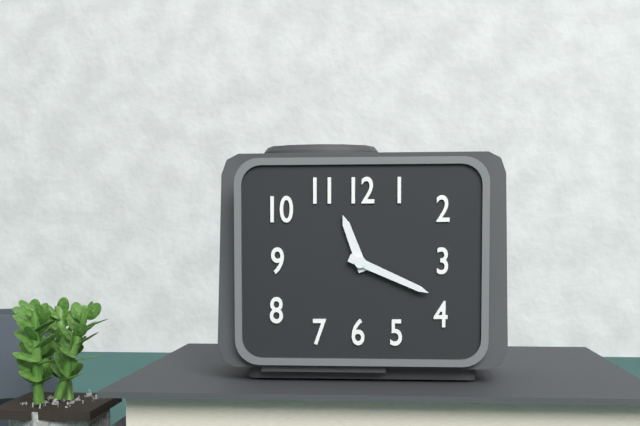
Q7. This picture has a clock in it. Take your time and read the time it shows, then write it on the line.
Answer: 11:19
